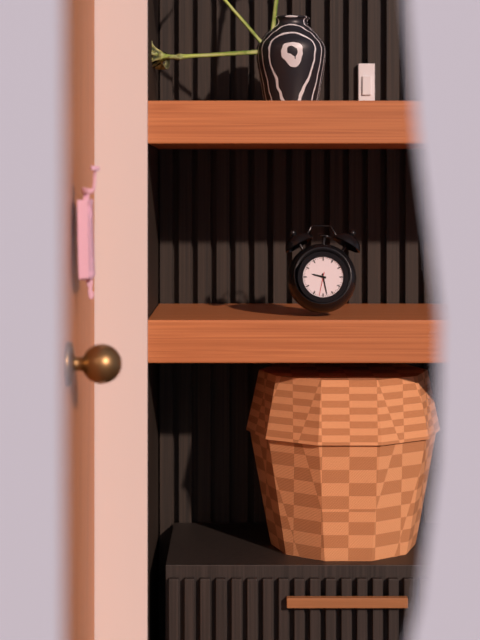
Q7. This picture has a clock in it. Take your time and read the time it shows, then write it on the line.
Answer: 9:28
